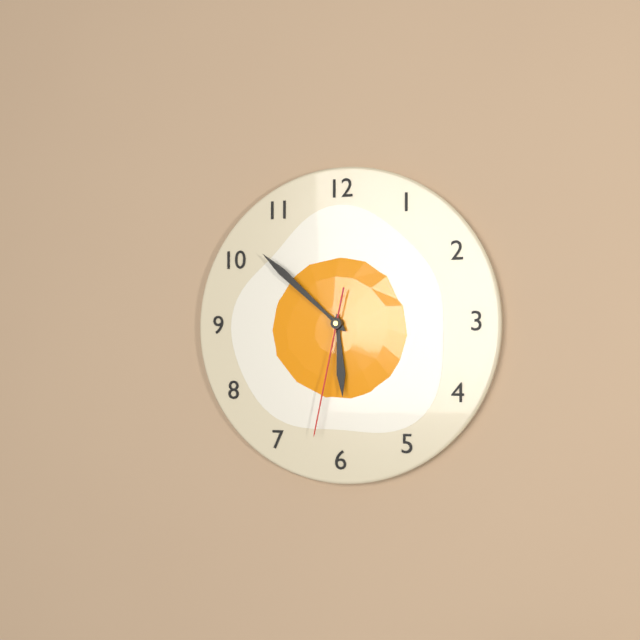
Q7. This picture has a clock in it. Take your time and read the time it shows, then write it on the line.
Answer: 5:52:32
